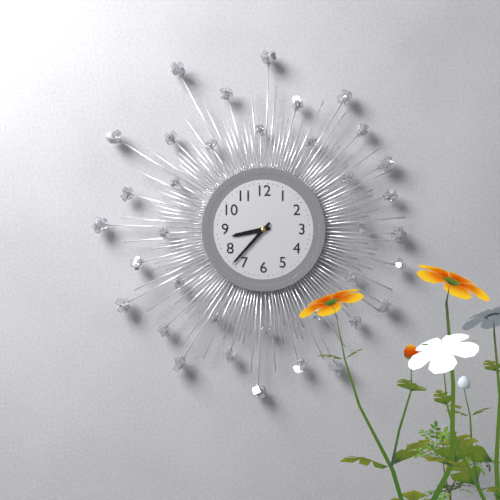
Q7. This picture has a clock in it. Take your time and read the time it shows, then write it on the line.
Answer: 8:37
